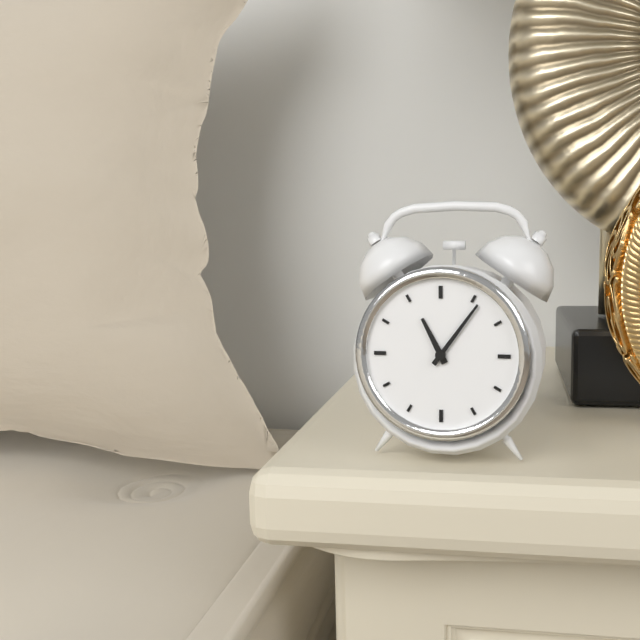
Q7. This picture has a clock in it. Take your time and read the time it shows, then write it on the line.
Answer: 11:06
